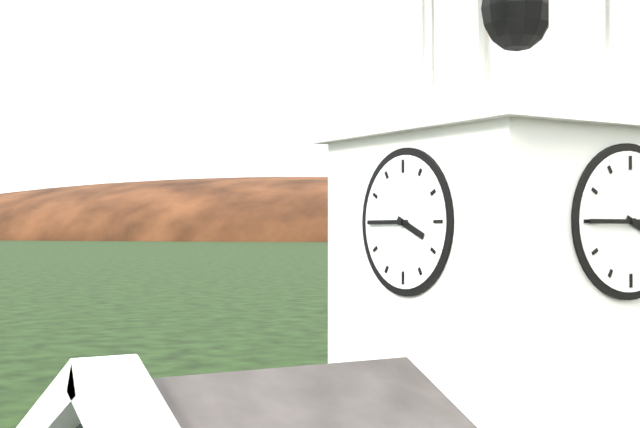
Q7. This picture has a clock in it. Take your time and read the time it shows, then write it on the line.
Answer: 3:45
